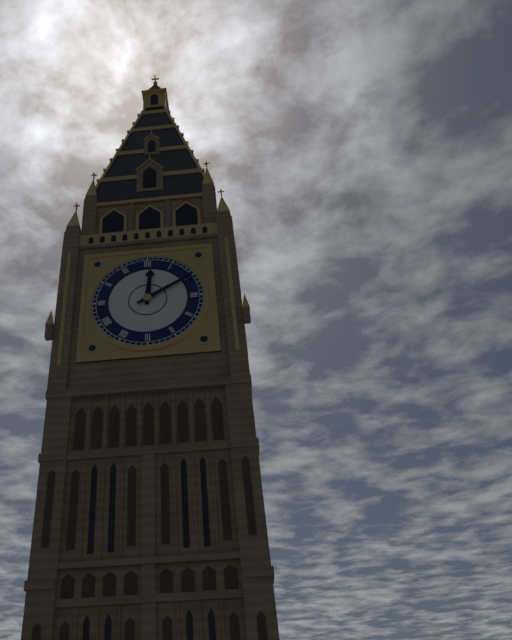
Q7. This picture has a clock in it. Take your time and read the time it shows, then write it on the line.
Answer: 12:10
